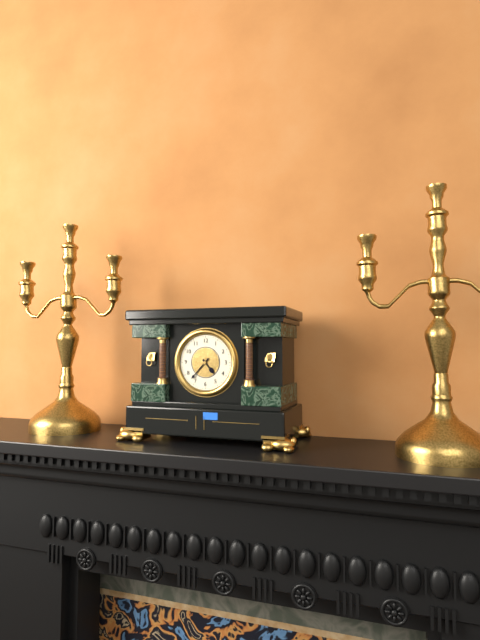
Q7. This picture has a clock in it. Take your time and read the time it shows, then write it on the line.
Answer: 4:37
